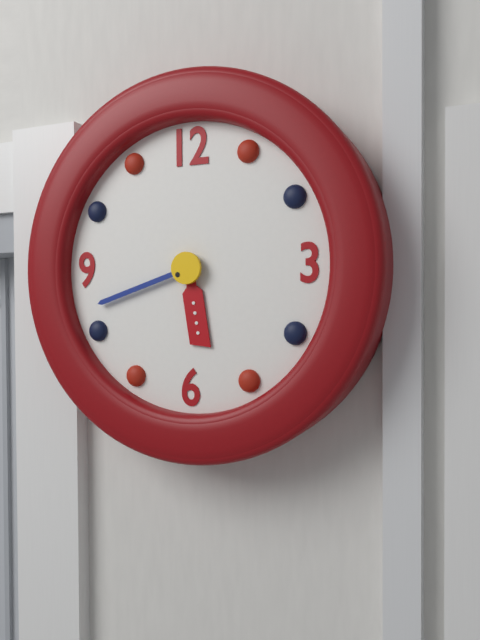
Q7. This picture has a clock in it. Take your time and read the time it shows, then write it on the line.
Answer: 5:42
